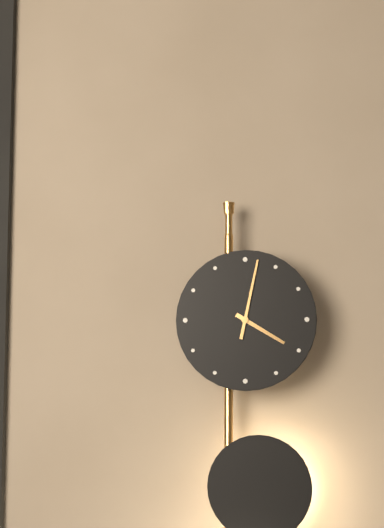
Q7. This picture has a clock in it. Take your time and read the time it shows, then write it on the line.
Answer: 4:02
